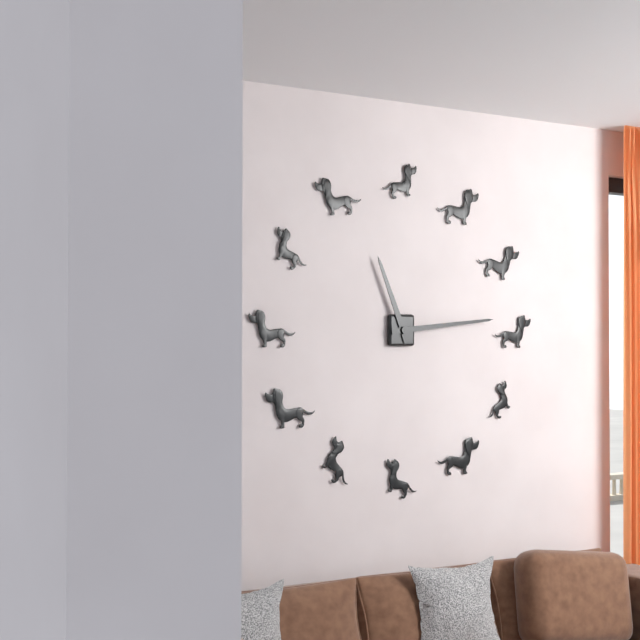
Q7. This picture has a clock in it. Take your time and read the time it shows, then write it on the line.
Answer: 11:14
